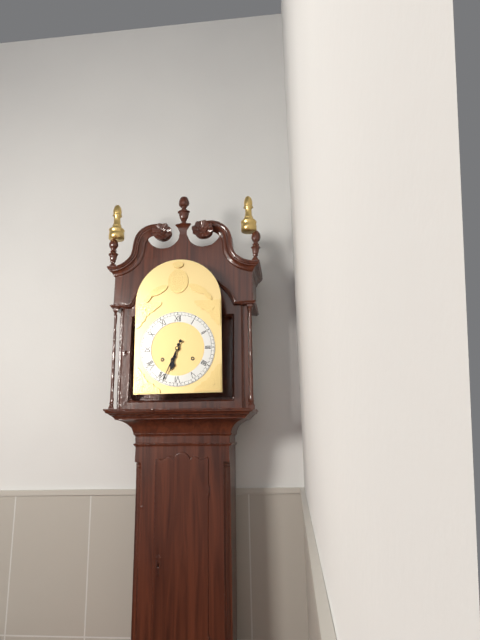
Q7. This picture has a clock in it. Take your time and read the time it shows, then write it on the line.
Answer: 6:34
